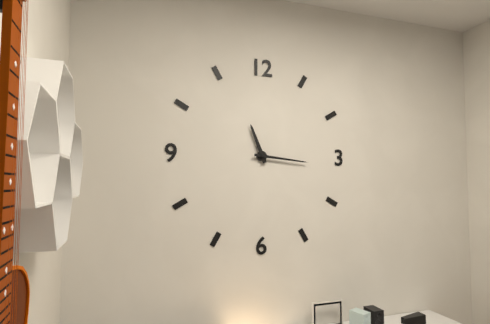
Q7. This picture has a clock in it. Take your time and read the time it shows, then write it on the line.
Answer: 11:16
